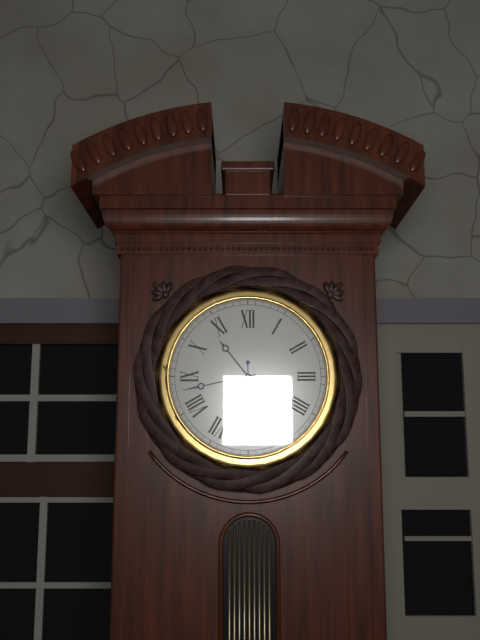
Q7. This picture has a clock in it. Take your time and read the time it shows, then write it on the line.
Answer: 10:43:30
